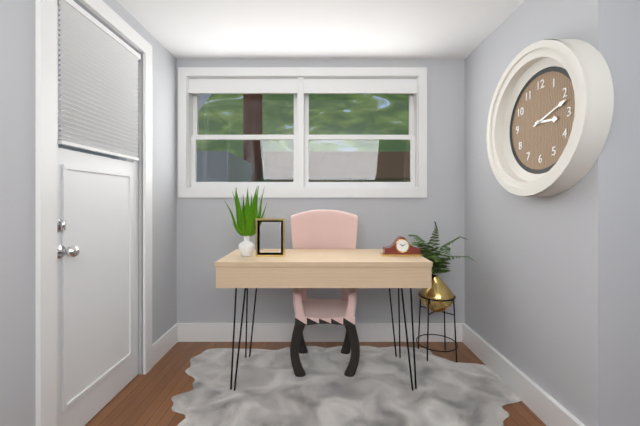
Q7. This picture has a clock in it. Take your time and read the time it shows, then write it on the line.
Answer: 3:12
